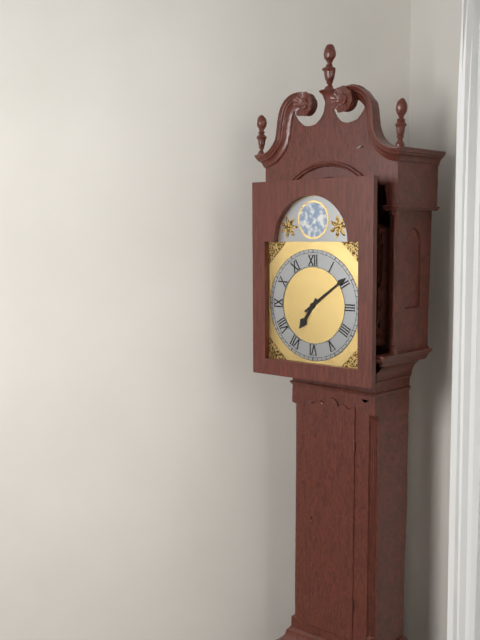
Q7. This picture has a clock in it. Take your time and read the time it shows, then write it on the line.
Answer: 7:09
